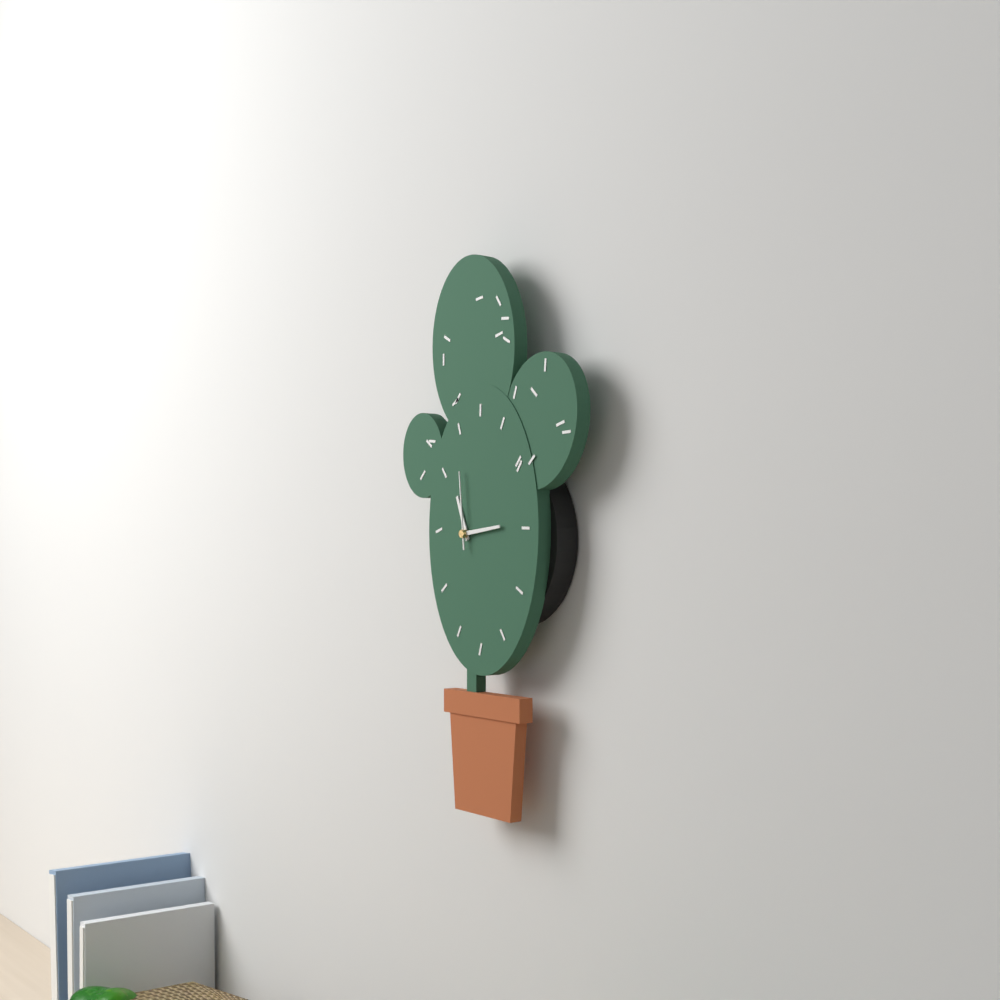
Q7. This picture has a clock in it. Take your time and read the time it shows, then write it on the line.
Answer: 11:14:59
